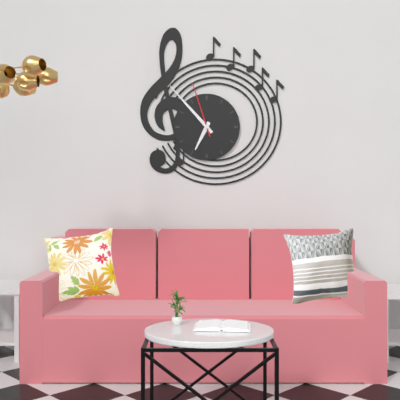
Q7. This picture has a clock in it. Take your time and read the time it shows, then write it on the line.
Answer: 6:53:57
